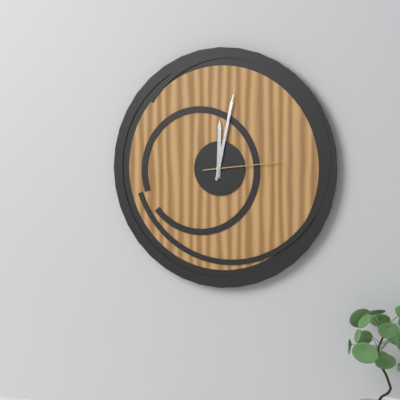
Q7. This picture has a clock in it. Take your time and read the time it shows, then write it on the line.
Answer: 12:02:14
